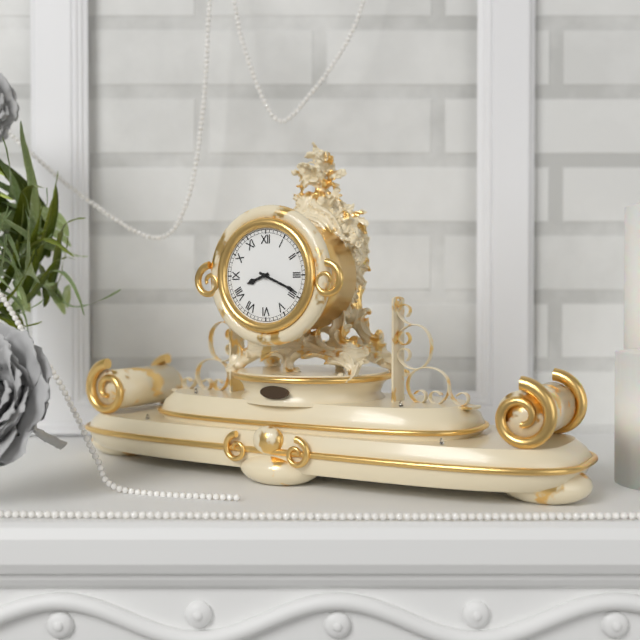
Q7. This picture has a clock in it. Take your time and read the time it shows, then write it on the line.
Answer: 8:19
